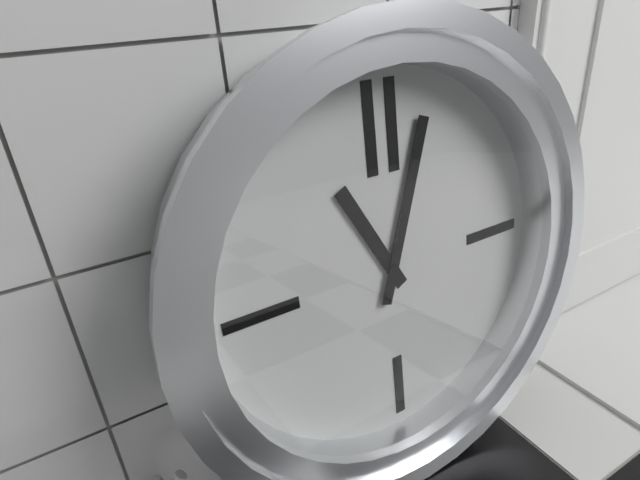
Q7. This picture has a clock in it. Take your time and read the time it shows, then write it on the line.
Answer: 11:03
